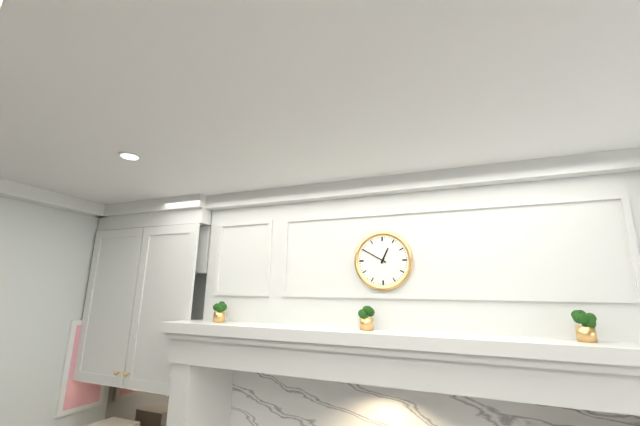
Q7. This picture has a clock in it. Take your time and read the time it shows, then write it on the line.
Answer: 12:50
